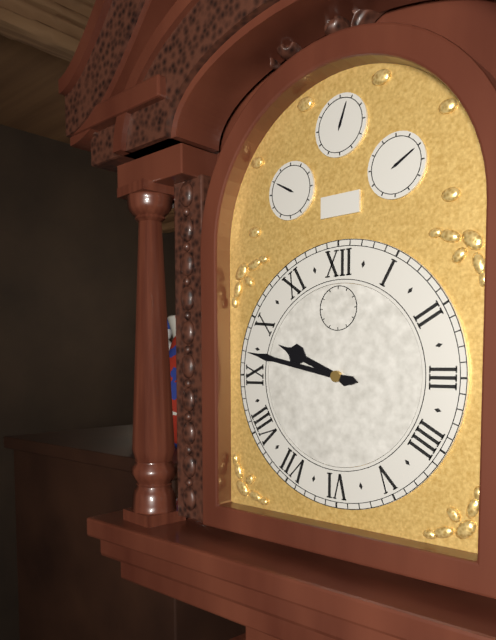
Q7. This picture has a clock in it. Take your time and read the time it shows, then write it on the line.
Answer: 9:47
